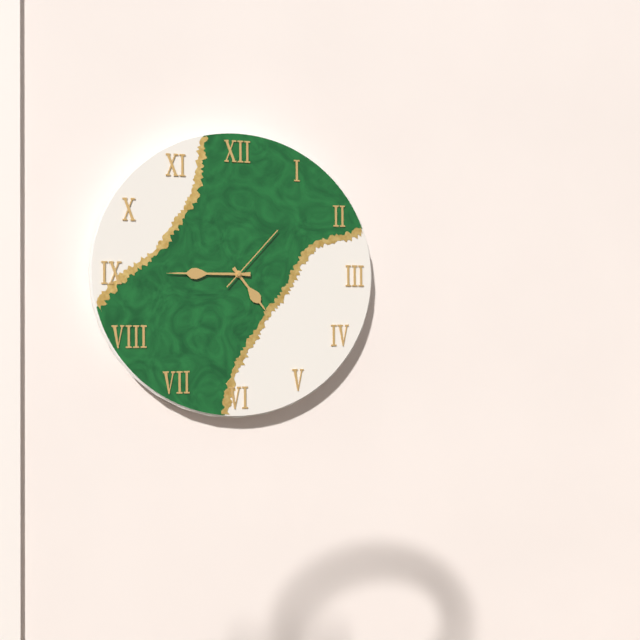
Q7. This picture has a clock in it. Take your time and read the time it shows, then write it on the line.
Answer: 4:45:07
